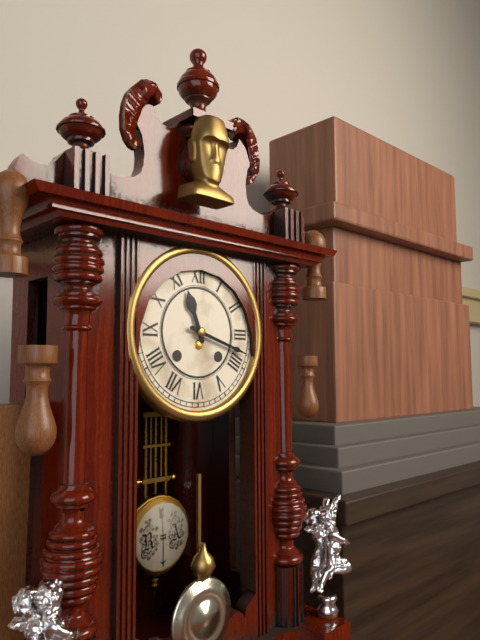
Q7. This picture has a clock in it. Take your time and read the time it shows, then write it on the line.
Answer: 11:18
